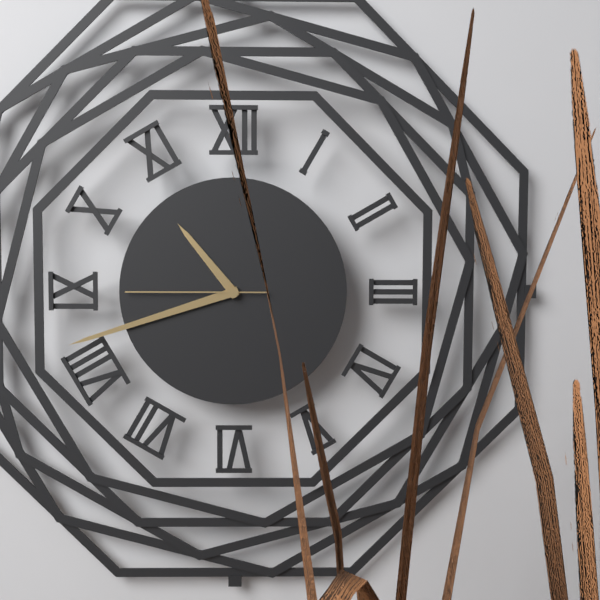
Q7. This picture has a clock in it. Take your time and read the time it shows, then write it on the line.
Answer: 10:42:45
